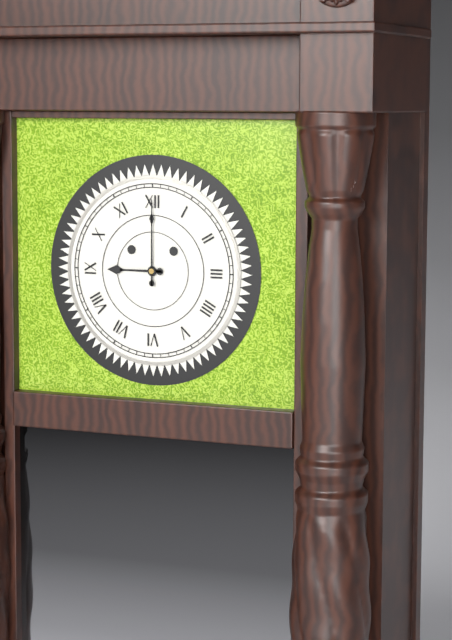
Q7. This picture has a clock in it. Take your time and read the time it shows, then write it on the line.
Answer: 9:00
